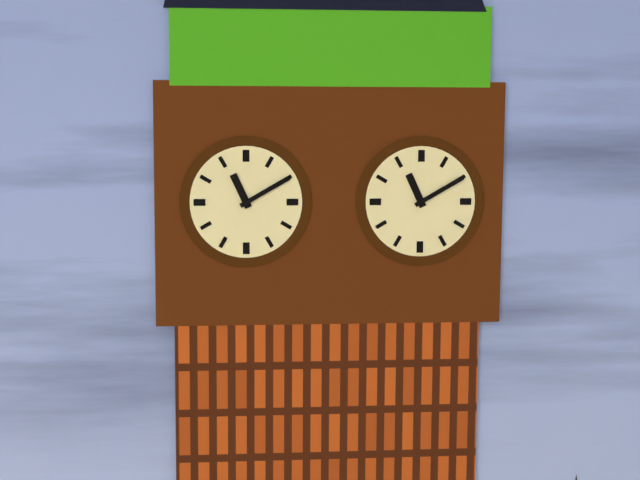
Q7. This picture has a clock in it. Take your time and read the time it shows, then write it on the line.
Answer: 11:10
